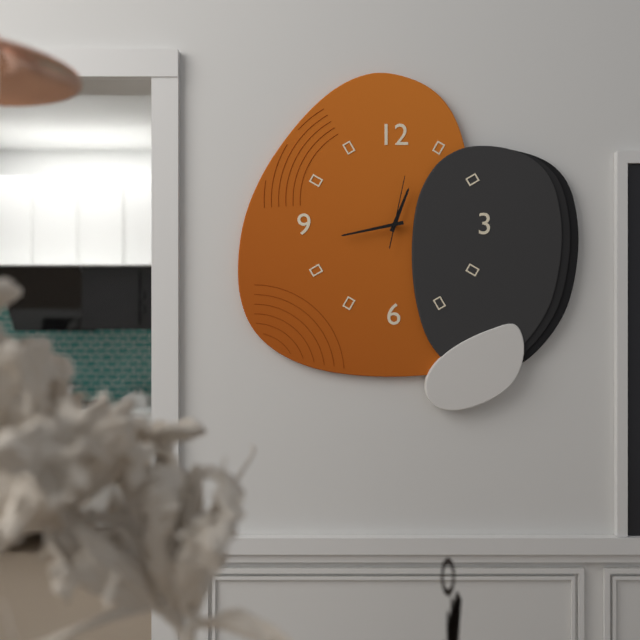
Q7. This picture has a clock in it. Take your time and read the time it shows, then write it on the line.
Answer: 12:43:02
